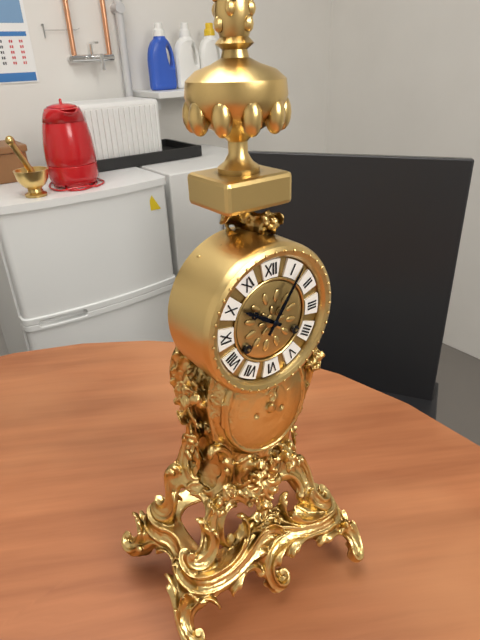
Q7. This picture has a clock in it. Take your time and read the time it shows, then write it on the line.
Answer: 10:06
